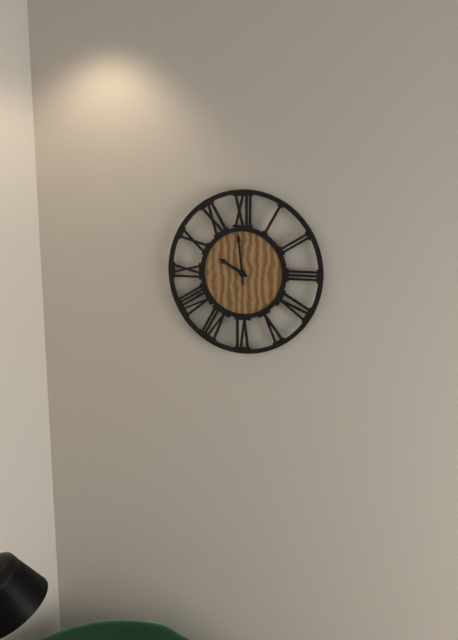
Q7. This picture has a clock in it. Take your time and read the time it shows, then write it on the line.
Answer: 9:59
